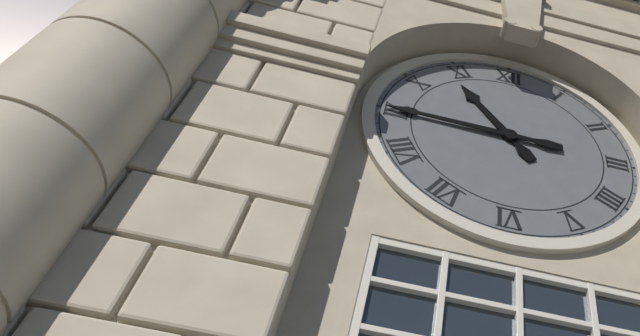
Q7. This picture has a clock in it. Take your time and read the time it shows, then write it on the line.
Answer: 10:45
